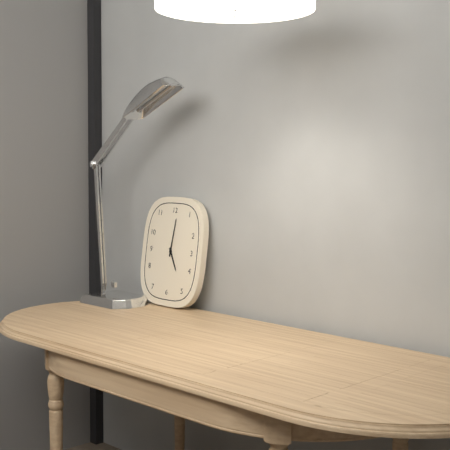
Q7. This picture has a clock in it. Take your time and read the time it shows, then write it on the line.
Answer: 5:01
